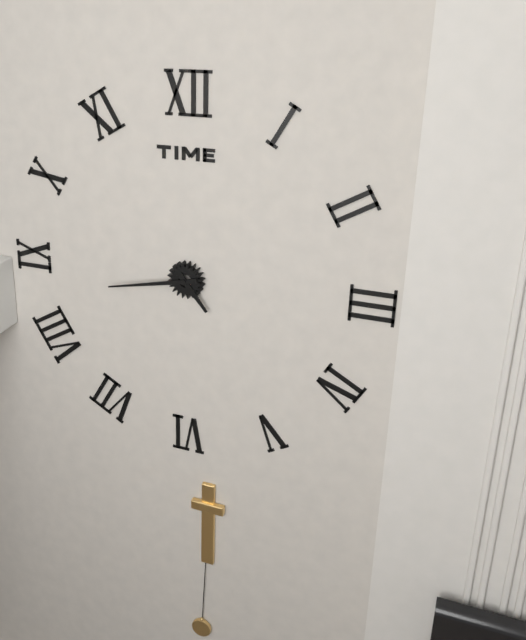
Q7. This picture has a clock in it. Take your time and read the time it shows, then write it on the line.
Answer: 4:43
